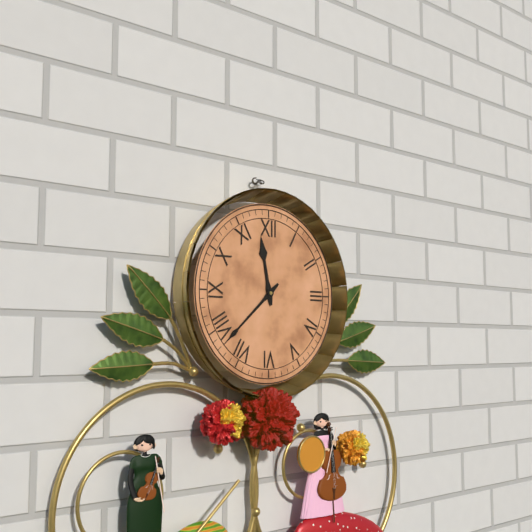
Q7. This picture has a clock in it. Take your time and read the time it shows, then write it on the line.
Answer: 11:38
